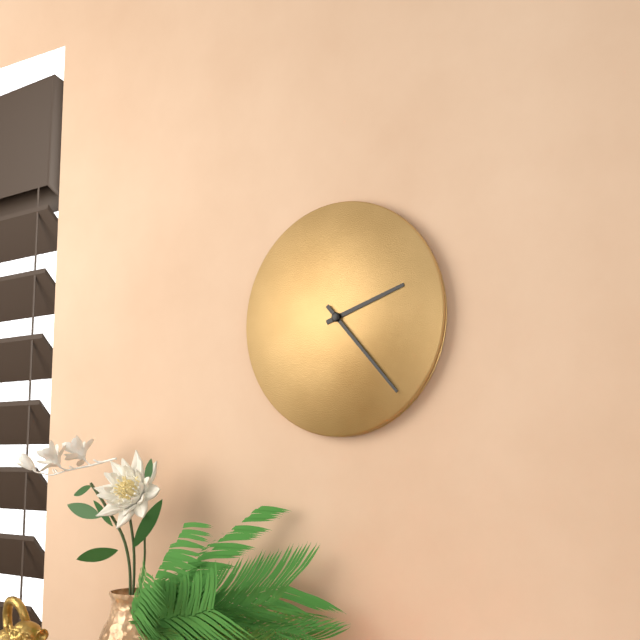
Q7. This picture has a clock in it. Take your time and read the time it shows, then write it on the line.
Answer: 2:23
